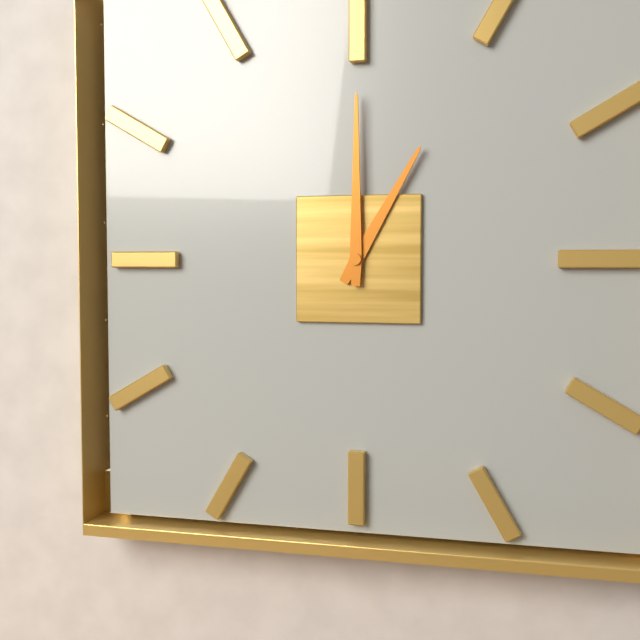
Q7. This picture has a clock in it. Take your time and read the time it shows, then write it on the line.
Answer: 1:00
